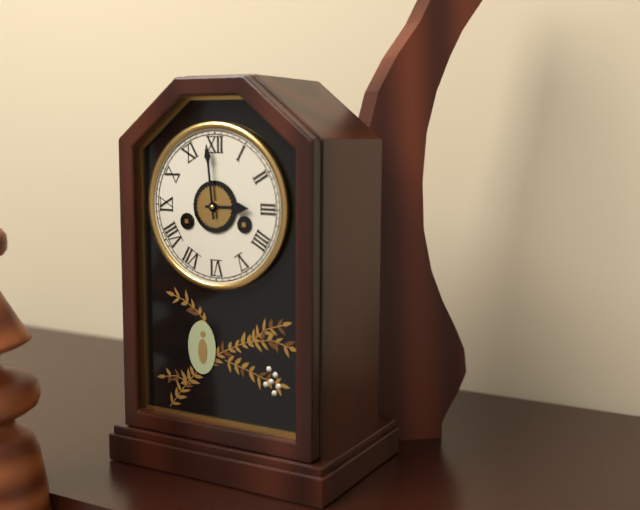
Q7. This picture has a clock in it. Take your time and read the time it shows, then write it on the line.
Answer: 2:59
